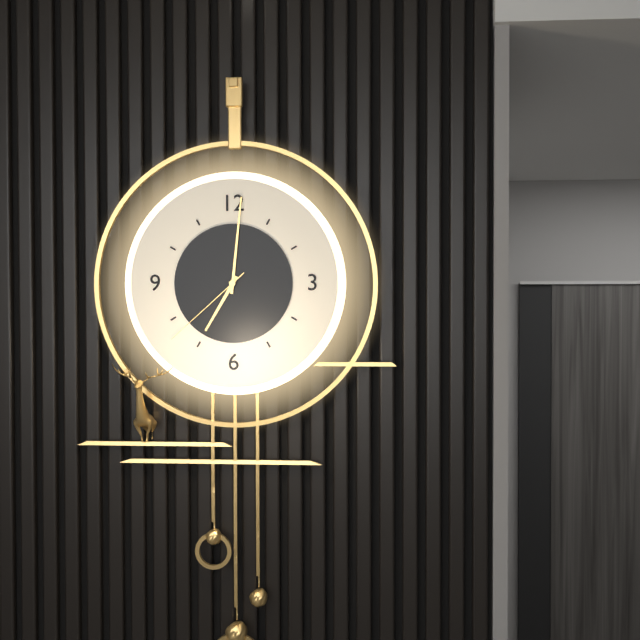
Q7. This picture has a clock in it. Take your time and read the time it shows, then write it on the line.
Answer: 7:01:38
